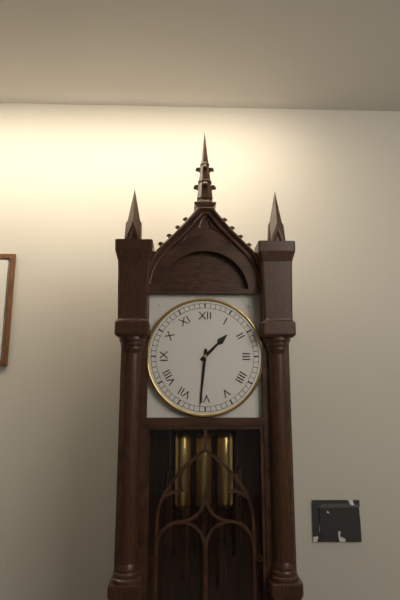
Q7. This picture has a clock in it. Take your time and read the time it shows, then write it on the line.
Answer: 1:31
